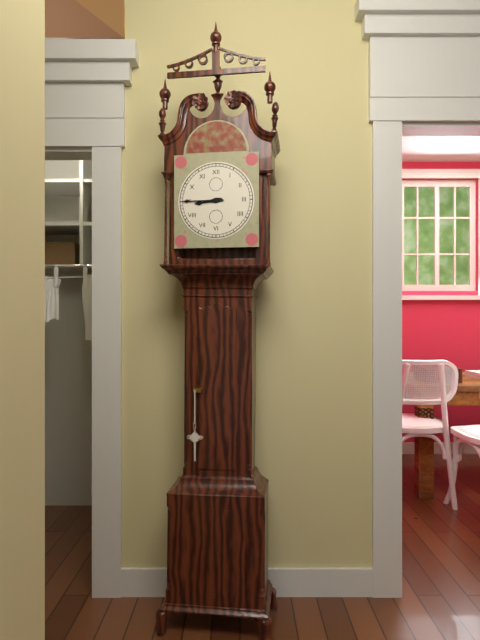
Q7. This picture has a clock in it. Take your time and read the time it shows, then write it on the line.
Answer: 8:45
